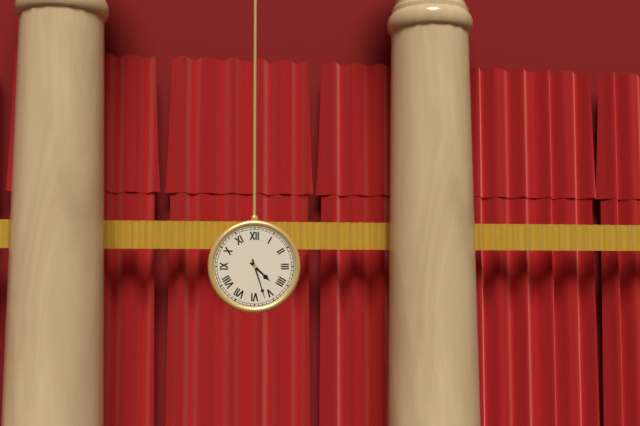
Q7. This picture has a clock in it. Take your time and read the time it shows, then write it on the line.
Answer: 4:27
